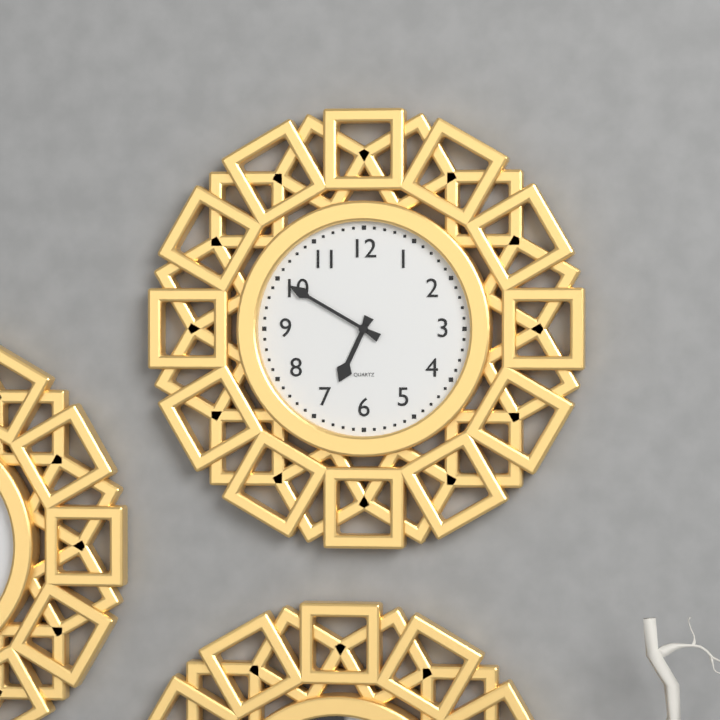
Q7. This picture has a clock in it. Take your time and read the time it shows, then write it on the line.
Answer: 6:50
